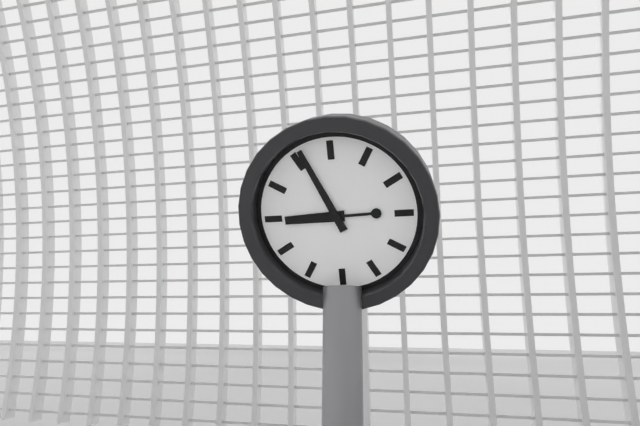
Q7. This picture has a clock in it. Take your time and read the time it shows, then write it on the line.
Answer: 8:56
